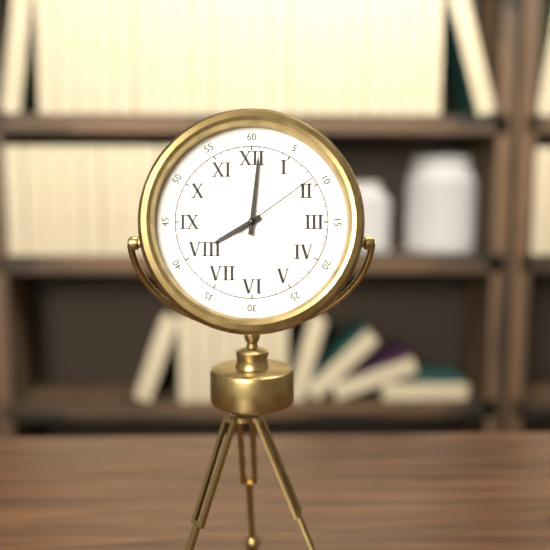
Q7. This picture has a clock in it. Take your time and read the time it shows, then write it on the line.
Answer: 8:01:09
